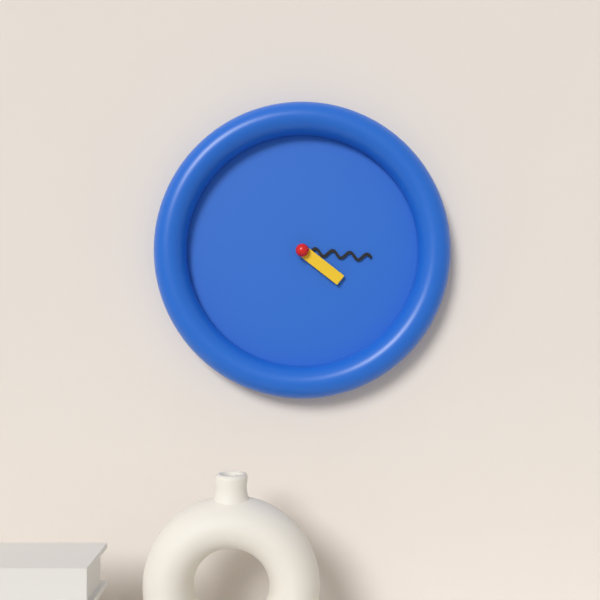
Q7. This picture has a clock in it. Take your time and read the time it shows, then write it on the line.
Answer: 4:16
